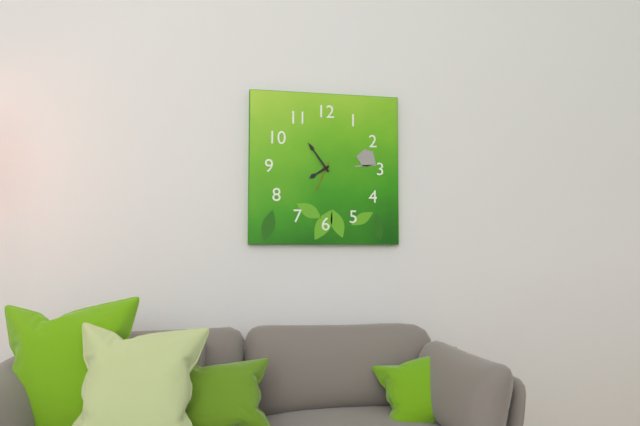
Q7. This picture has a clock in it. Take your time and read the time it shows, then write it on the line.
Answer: 7:54
